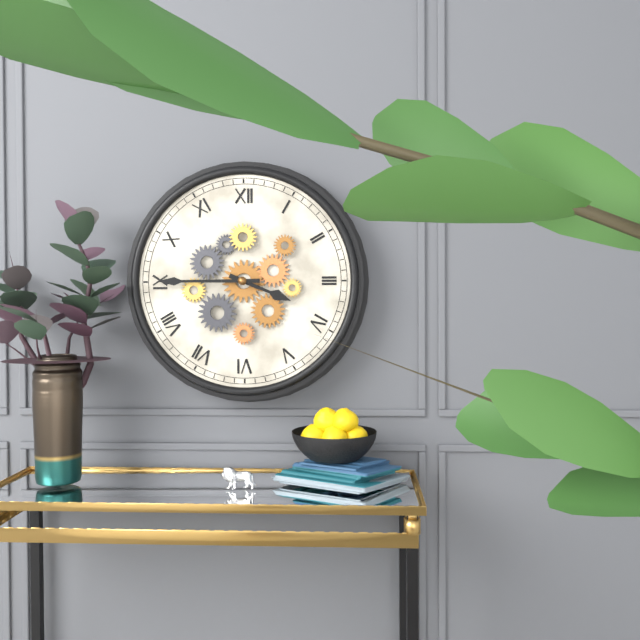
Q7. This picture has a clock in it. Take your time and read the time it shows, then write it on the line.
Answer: 3:45
